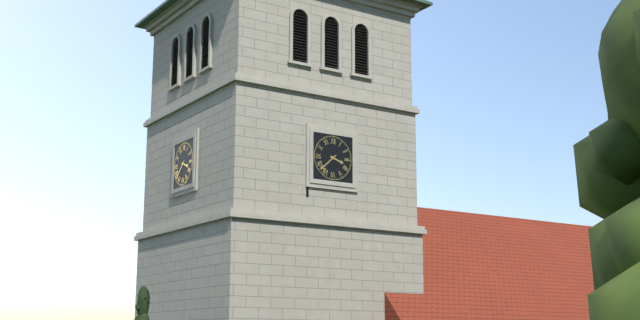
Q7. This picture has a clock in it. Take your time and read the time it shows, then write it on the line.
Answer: 3:38
